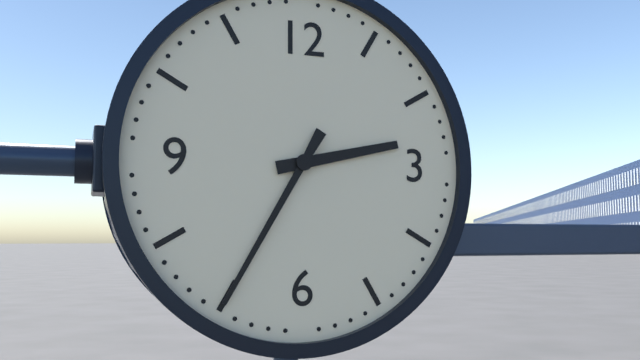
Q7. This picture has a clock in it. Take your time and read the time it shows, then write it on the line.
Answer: 2:35
